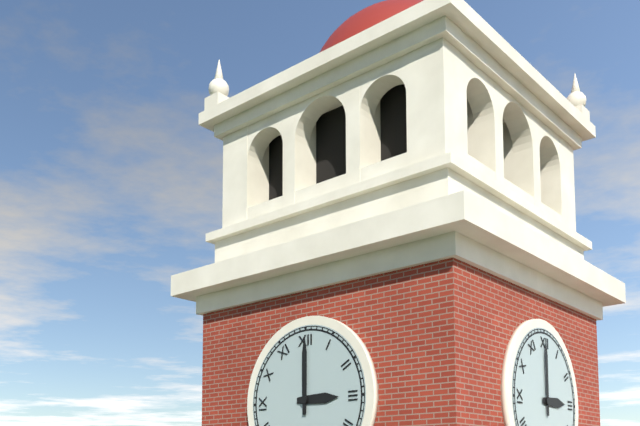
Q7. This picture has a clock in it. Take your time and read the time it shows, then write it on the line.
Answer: 3:00
